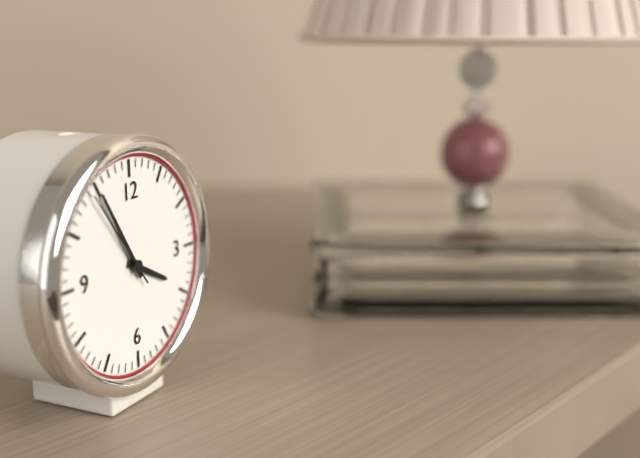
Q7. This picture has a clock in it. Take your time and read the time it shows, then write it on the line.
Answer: 3:55:54
